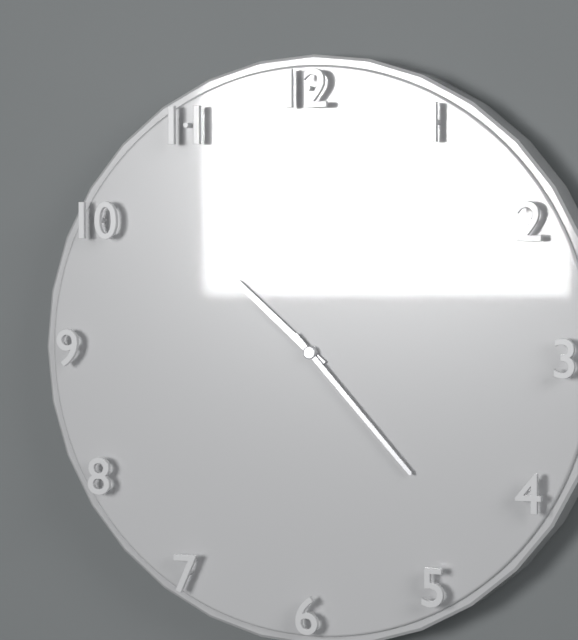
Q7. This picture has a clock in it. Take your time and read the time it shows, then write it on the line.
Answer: 10:23
